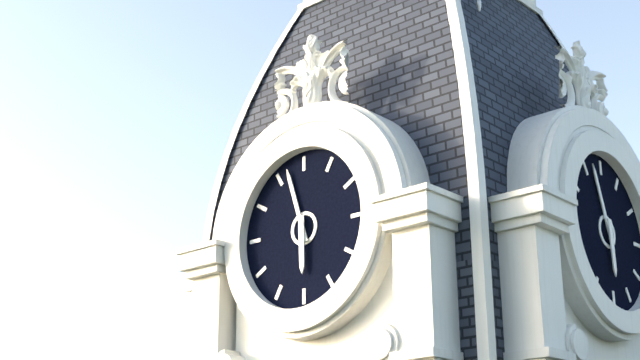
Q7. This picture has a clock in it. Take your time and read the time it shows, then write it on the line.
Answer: 5:57
